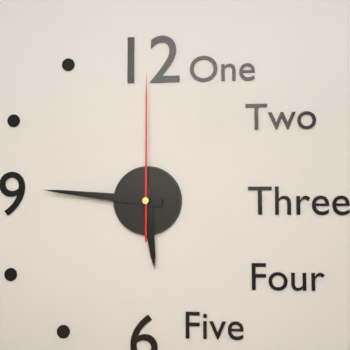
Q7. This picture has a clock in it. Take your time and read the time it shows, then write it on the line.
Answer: 5:46:00
